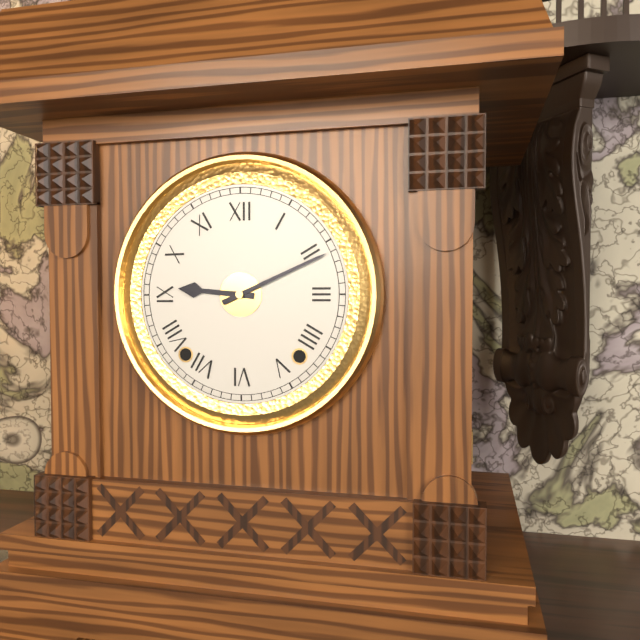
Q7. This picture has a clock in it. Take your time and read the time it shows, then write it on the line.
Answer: 9:11
